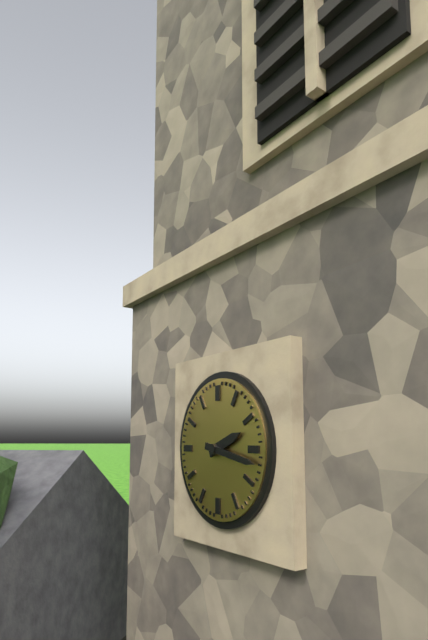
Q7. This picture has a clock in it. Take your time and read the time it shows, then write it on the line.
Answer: 2:17
